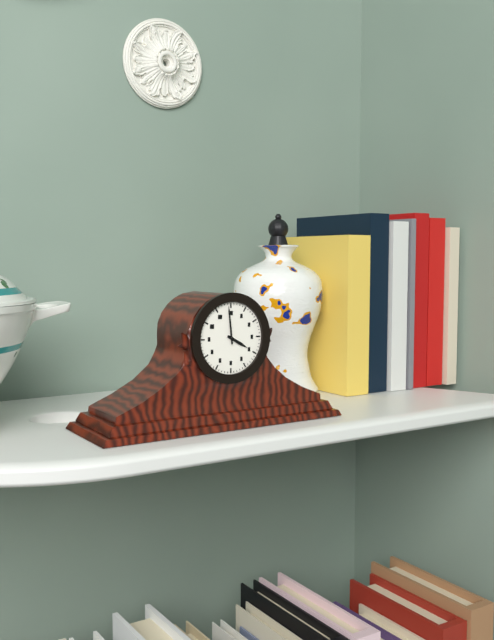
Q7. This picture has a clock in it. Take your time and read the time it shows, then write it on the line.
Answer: 3:59
